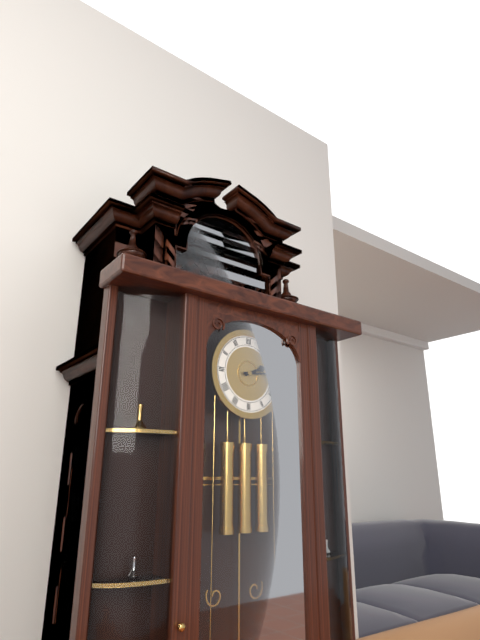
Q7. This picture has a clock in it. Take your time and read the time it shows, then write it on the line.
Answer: 2:14
